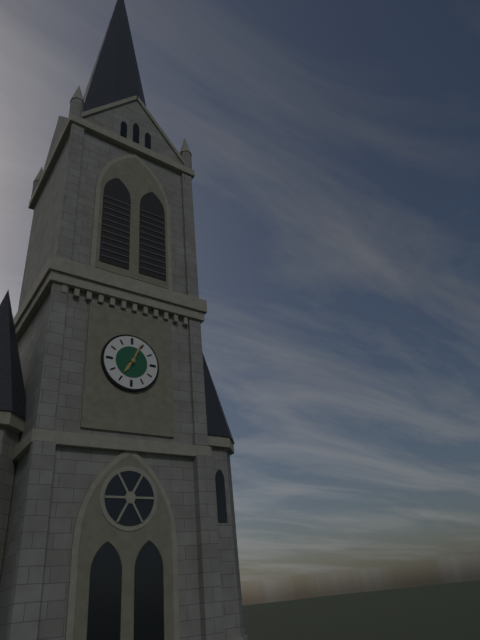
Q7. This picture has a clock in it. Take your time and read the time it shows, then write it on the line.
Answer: 7:04
